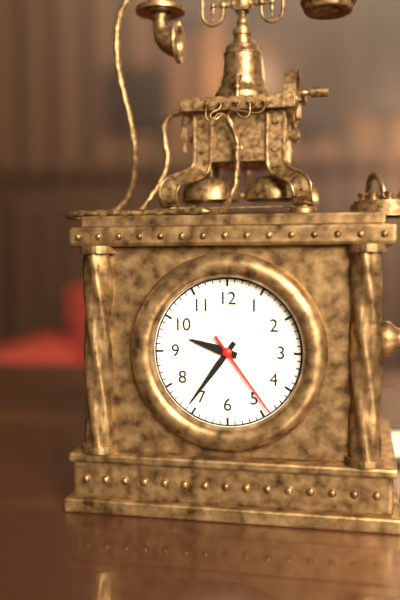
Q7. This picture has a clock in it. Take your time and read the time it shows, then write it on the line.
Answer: 9:36:24
